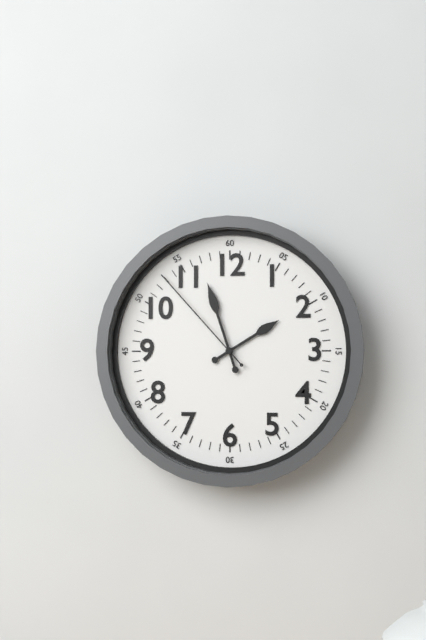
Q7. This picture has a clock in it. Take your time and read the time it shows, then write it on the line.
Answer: 1:57:53
